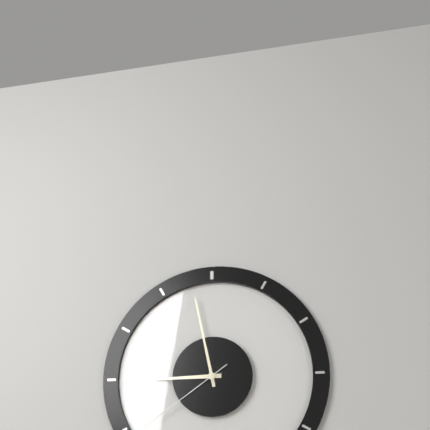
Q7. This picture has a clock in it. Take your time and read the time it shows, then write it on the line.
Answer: 8:58
